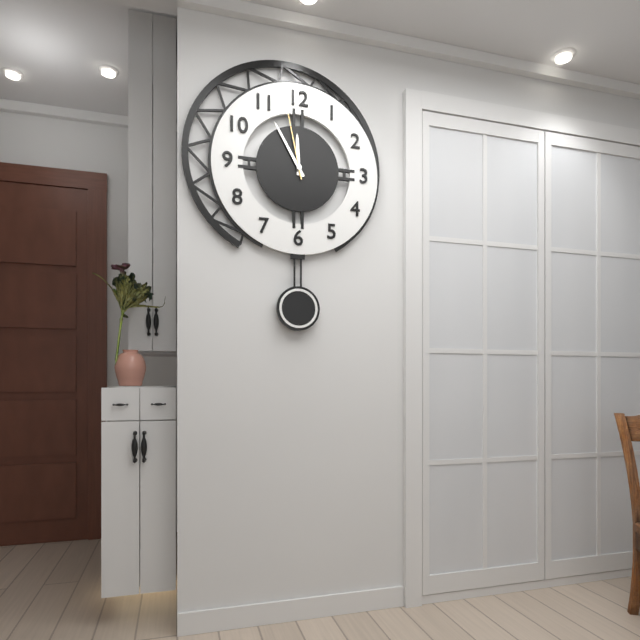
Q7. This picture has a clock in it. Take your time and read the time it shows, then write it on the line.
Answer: 11:55:58
